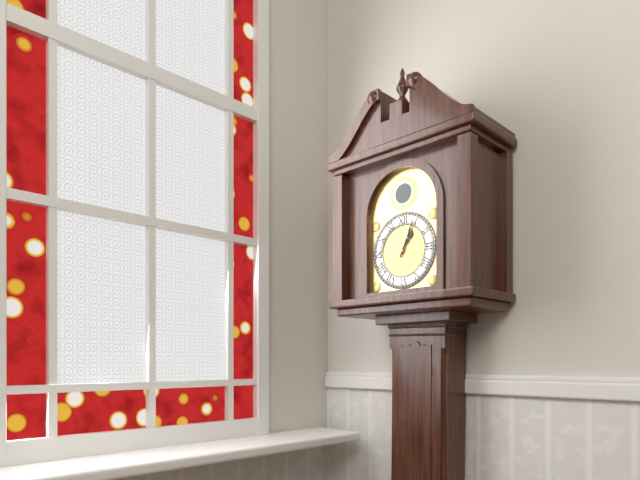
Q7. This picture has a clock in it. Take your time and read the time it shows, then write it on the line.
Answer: 1:04
